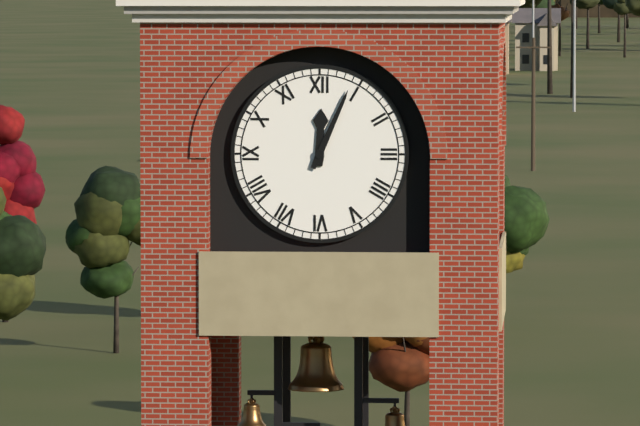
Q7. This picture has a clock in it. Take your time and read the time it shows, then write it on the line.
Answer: 12:04
